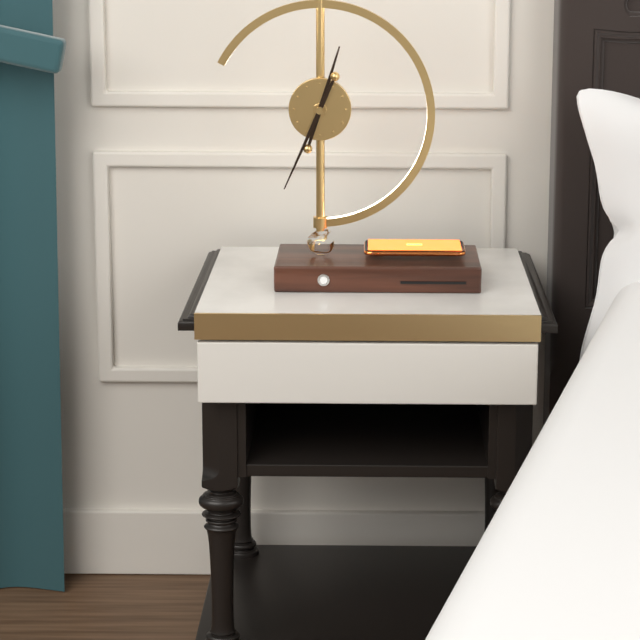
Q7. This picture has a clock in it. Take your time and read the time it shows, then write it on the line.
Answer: 12:34
